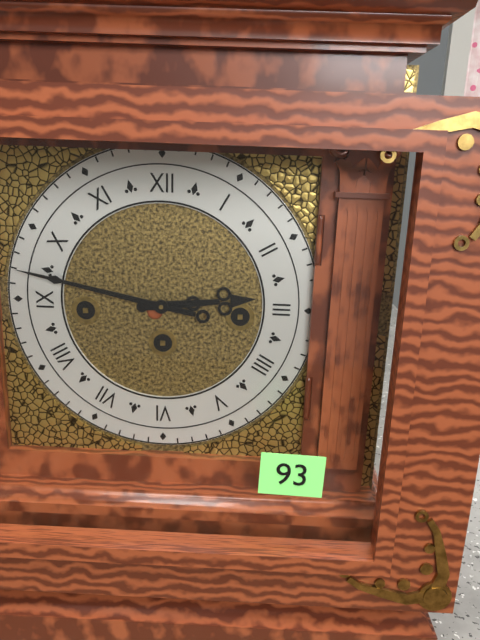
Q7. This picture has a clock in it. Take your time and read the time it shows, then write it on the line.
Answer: 2:47
